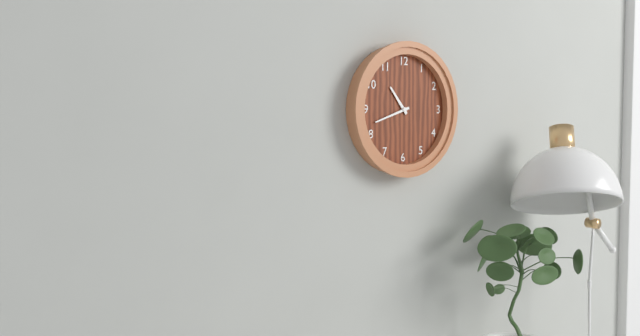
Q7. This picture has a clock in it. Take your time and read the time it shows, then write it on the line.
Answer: 10:42
